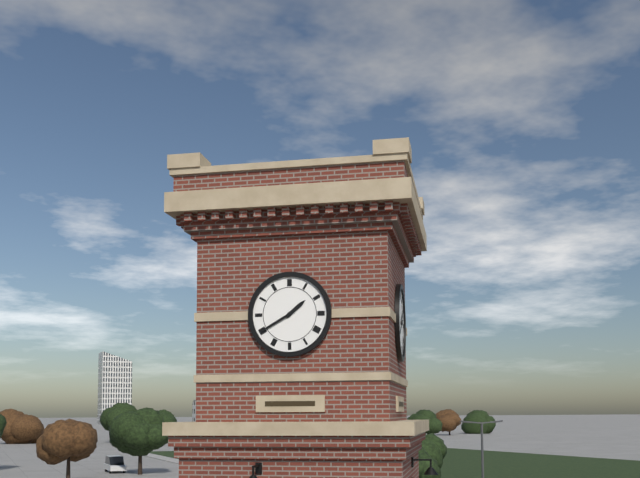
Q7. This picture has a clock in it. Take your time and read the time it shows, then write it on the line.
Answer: 1:40
